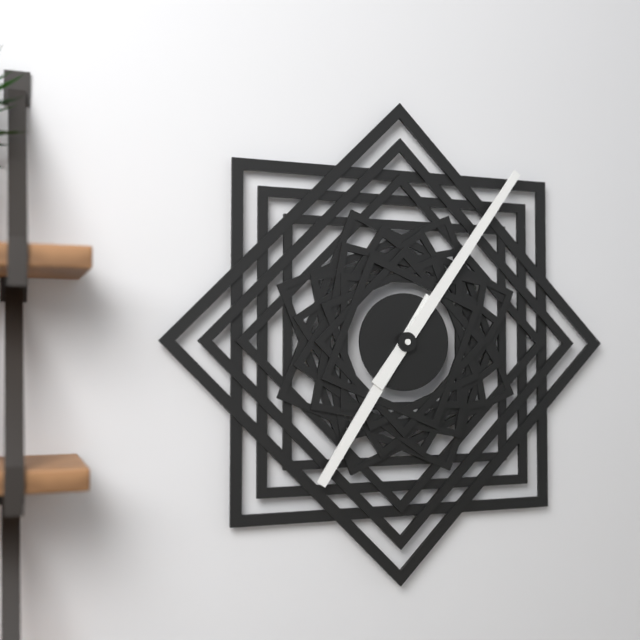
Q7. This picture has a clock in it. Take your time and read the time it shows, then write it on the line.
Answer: 7:06
